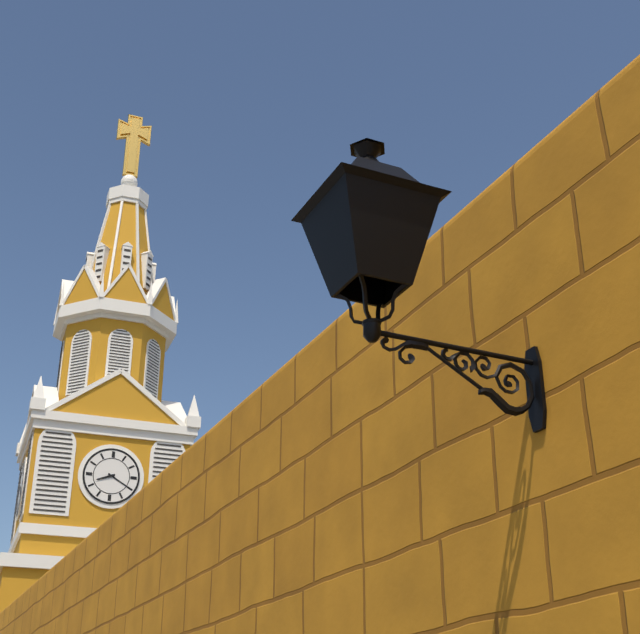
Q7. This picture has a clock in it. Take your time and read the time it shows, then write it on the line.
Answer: 8:20
